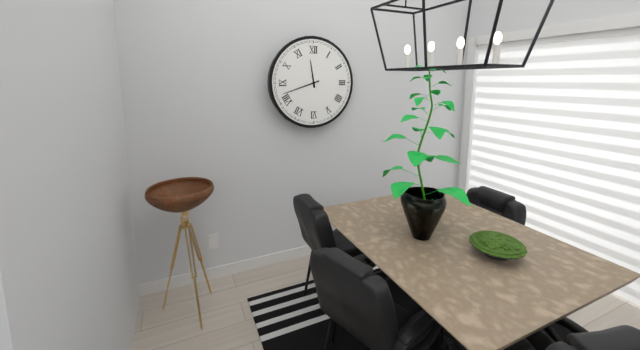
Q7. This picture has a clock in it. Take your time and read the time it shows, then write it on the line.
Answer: 11:42
